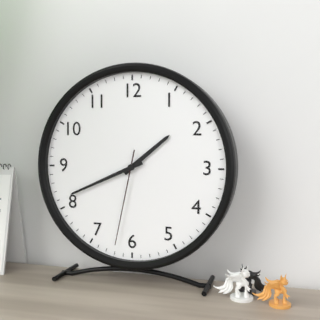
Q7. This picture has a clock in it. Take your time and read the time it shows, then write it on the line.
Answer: 1:41:32
